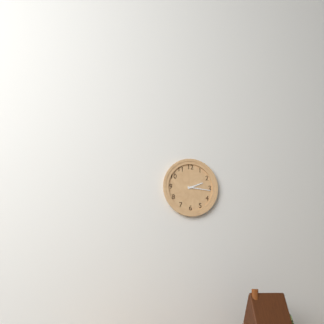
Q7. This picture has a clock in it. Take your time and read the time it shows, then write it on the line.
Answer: 2:16
